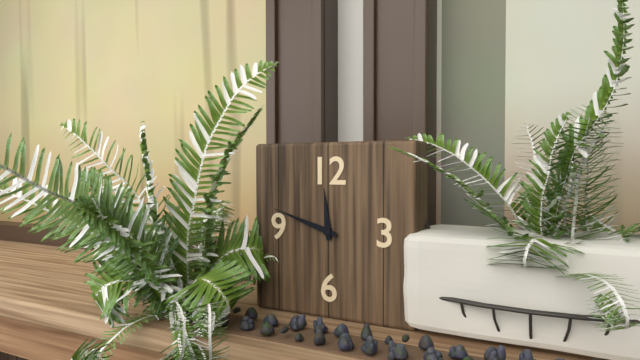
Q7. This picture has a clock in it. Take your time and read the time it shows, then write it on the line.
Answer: 11:48
